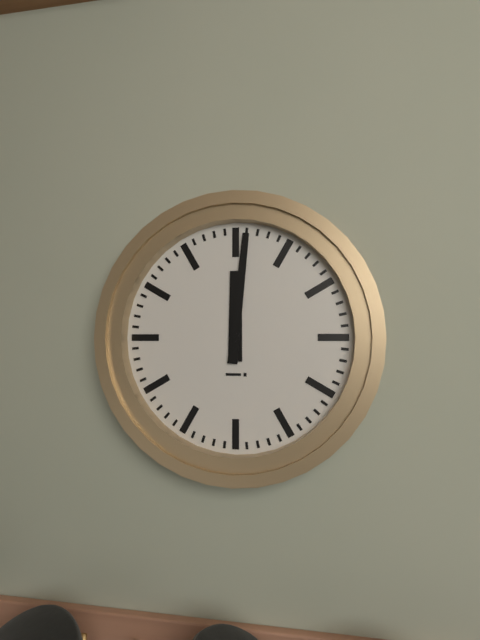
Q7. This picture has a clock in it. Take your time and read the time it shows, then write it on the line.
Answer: 12:01
